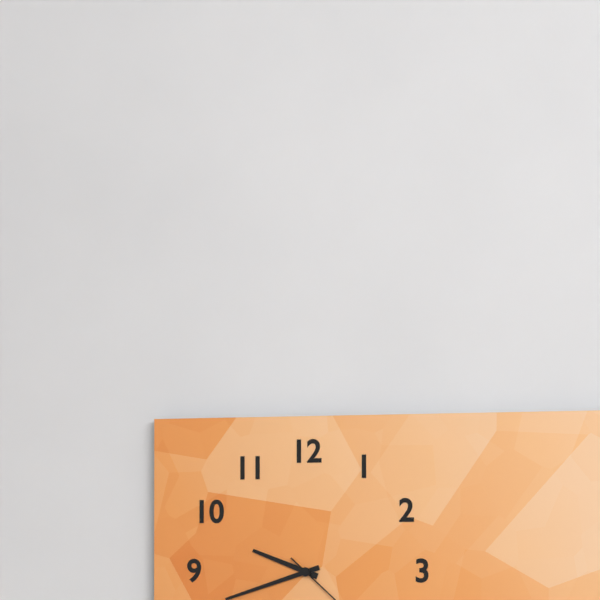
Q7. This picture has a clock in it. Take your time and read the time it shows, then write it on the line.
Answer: 9:42
